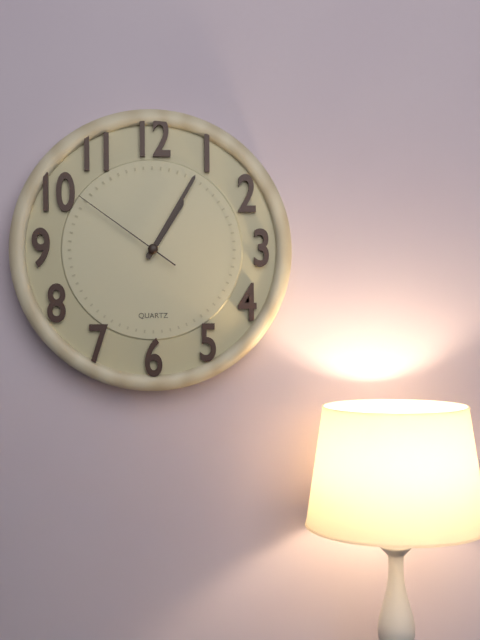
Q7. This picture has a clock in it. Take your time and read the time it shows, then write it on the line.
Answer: 1:05:51
